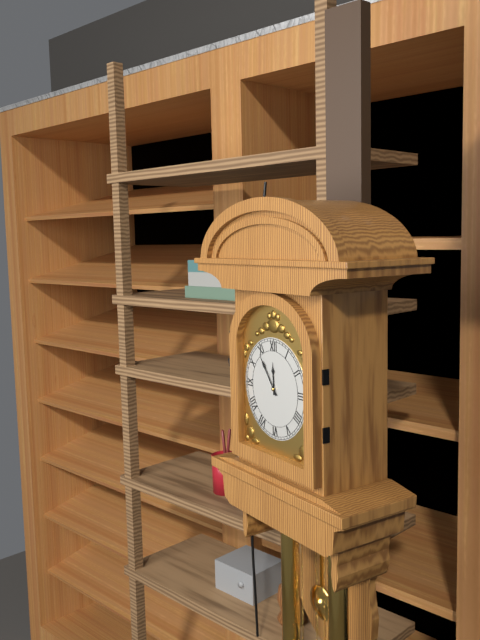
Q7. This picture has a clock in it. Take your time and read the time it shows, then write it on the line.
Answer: 11:54
